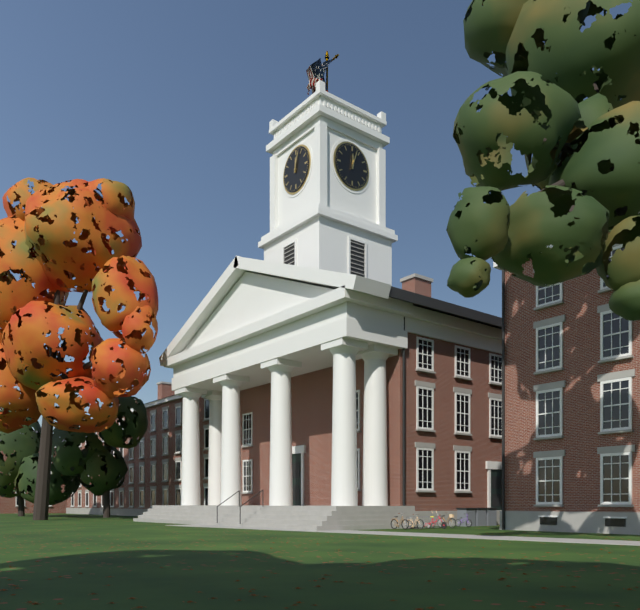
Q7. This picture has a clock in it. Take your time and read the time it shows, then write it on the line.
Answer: 12:03
